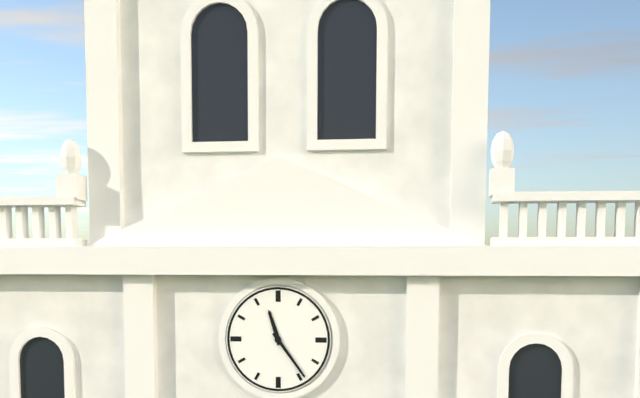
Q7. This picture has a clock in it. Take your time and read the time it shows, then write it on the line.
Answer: 11:24
